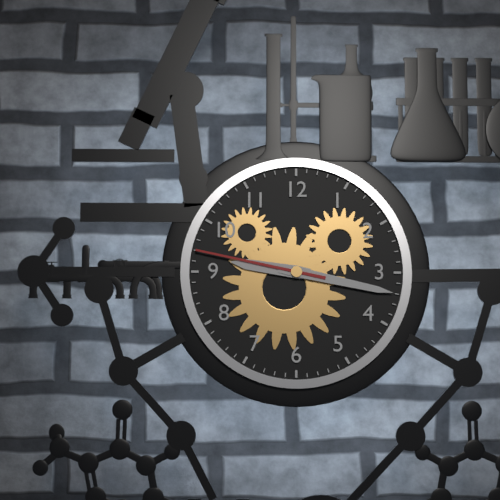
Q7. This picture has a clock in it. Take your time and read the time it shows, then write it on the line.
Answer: 9:17:47
